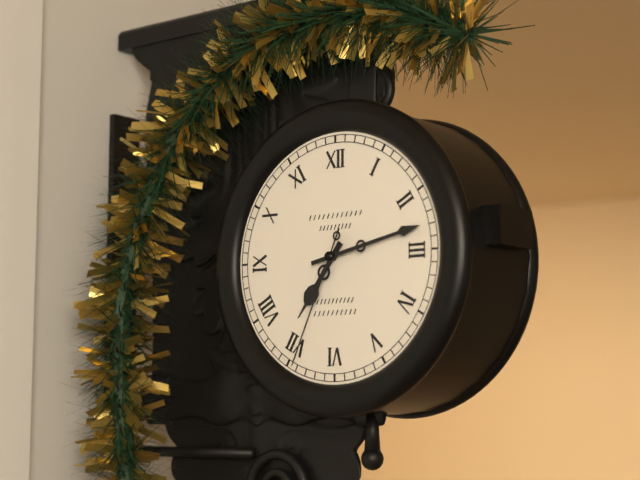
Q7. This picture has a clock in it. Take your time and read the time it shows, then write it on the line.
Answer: 7:13:34
